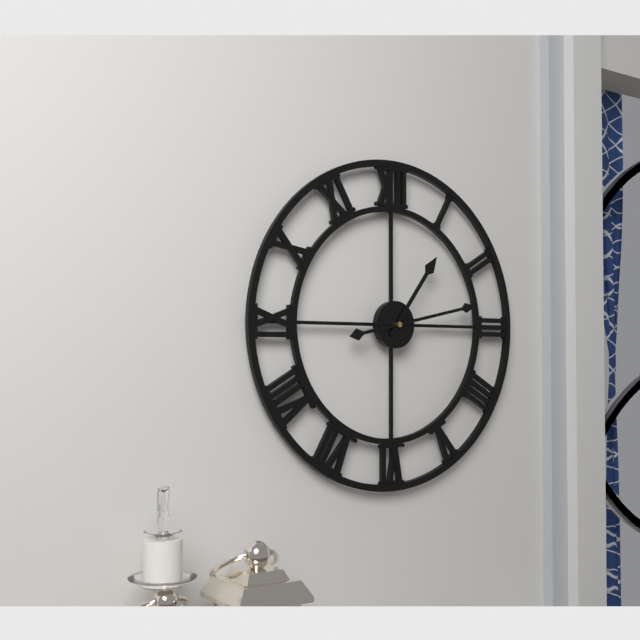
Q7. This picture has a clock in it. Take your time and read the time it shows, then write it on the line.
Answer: 1:13
